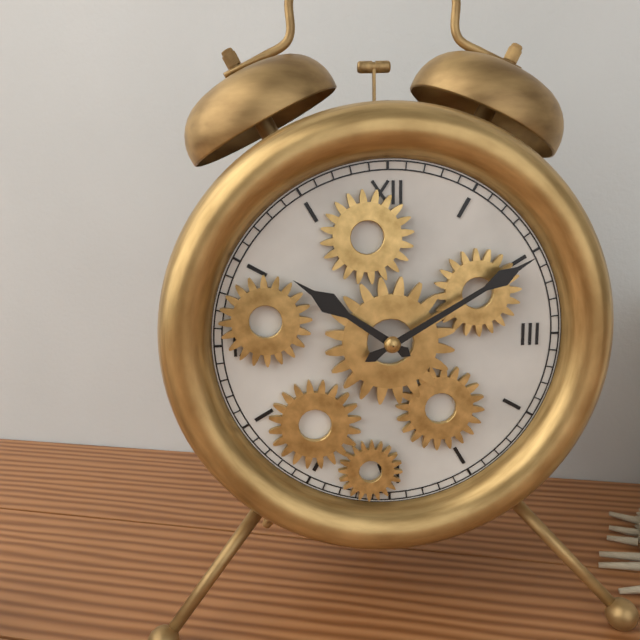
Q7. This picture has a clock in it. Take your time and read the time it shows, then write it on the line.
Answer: 10:10
